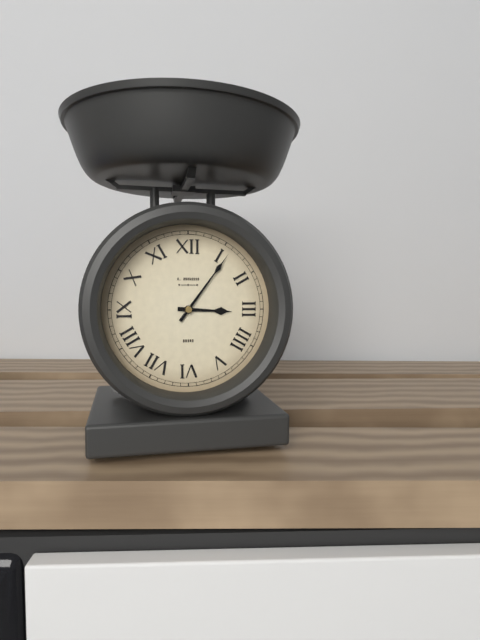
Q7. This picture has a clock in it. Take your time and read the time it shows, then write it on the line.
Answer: 3:06
